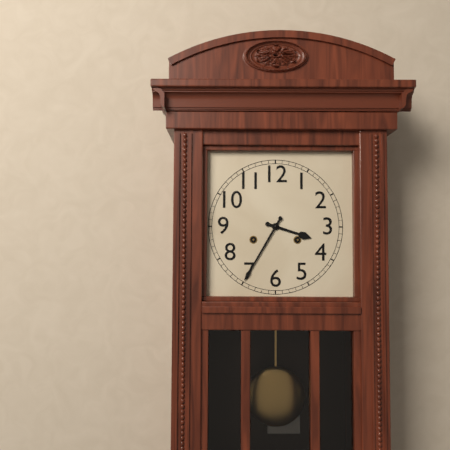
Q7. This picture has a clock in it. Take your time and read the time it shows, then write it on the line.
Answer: 3:35
